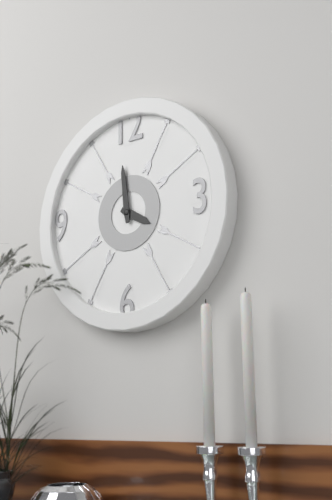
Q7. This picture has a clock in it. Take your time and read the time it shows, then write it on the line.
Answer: 3:59
